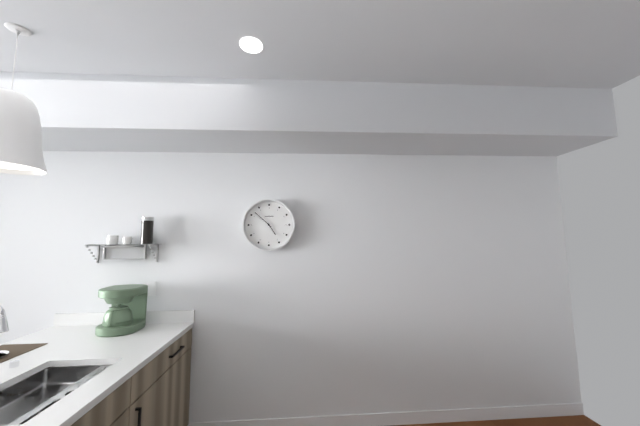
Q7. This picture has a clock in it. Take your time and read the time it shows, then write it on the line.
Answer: 4:52
